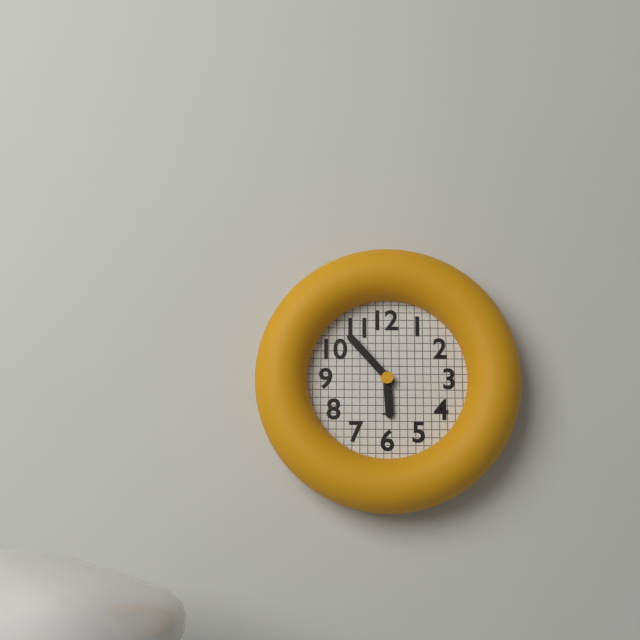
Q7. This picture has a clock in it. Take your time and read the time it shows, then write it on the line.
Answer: 5:53
